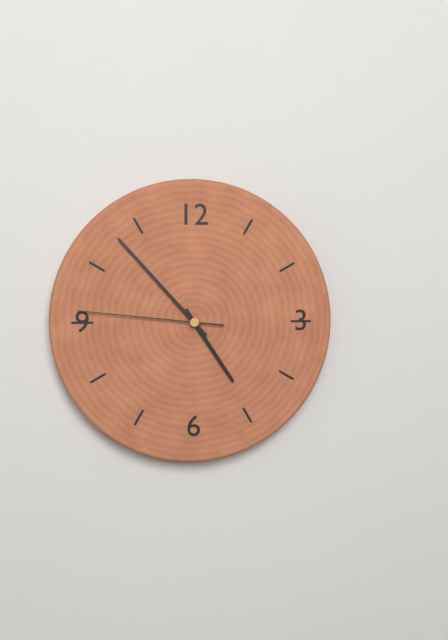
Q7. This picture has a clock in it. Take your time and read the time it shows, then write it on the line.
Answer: 4:53:46
